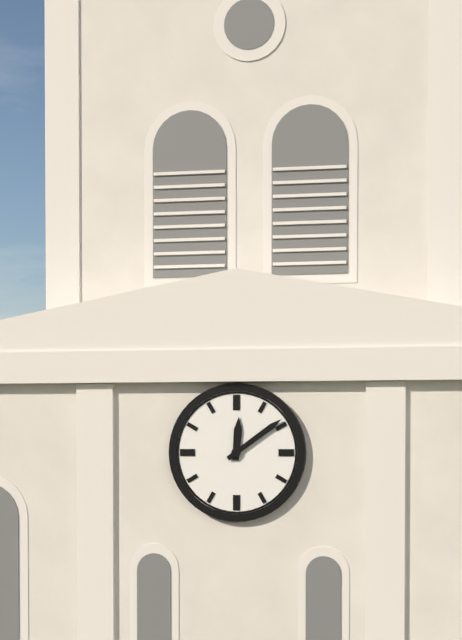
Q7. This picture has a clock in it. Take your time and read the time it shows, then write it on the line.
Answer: 12:09
